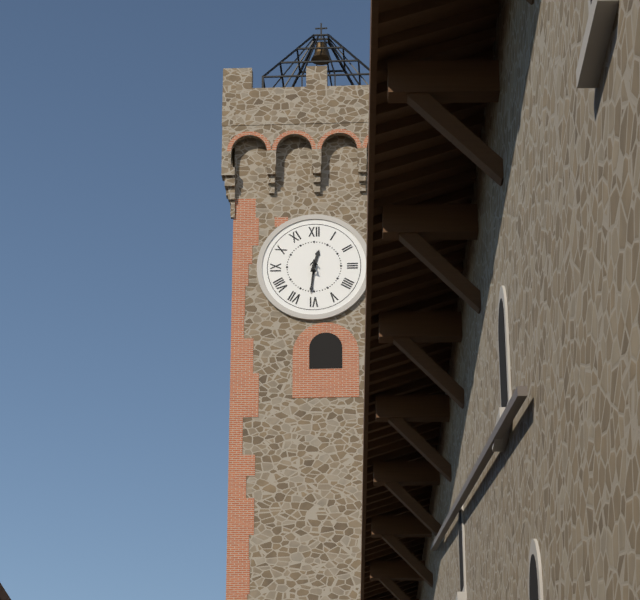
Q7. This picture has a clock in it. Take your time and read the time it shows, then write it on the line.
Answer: 12:31
